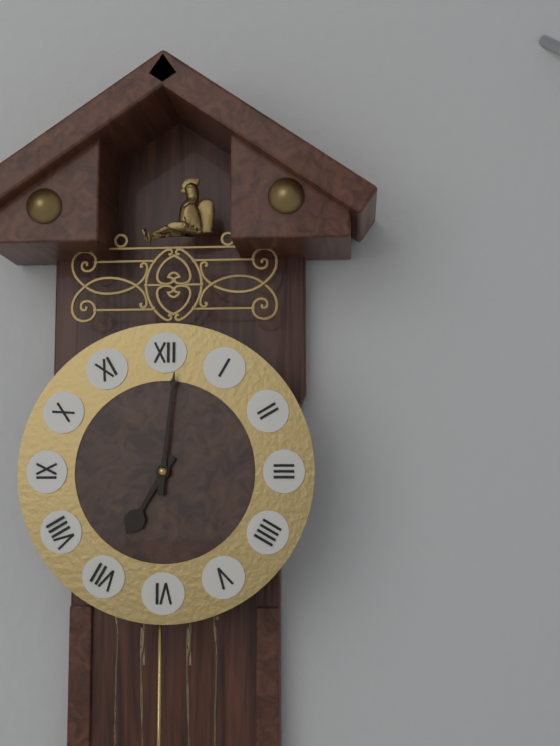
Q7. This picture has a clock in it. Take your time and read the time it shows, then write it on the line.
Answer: 7:01
